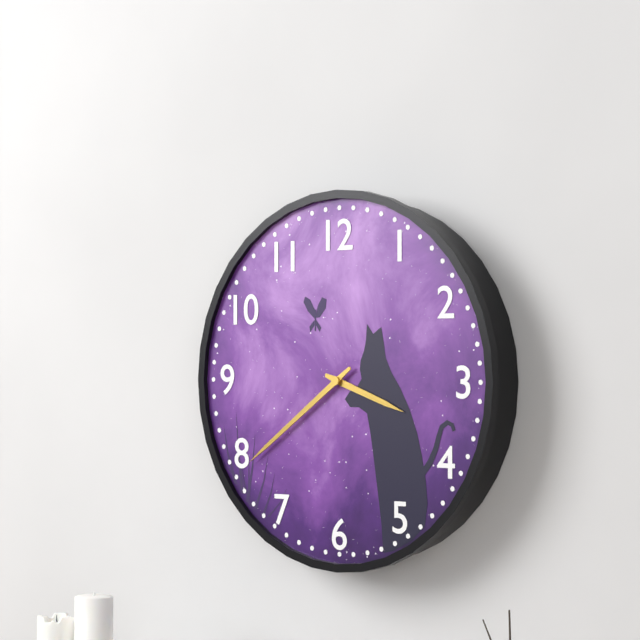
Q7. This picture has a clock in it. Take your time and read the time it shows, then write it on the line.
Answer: 3:39
